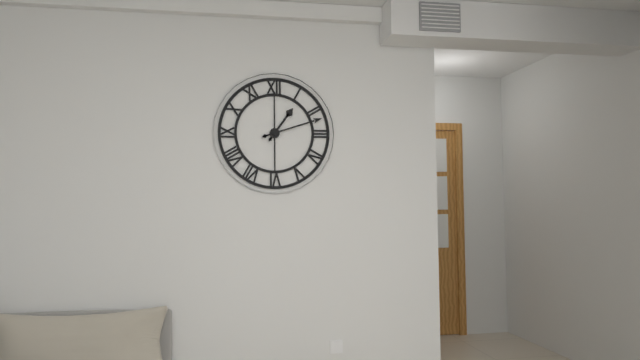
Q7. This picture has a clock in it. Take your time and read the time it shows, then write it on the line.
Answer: 1:12
